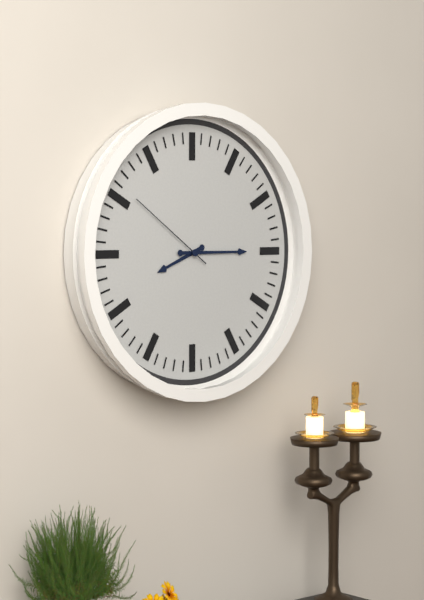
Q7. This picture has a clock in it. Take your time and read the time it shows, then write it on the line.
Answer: 8:15:51
